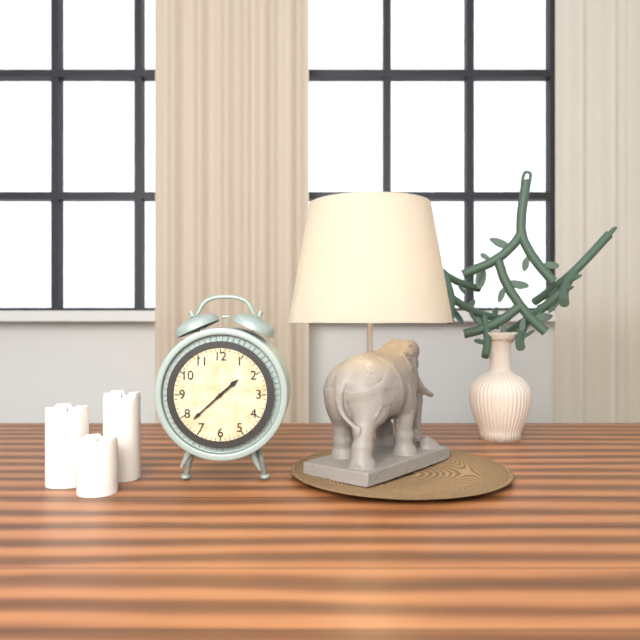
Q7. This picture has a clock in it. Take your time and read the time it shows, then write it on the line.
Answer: 1:38
